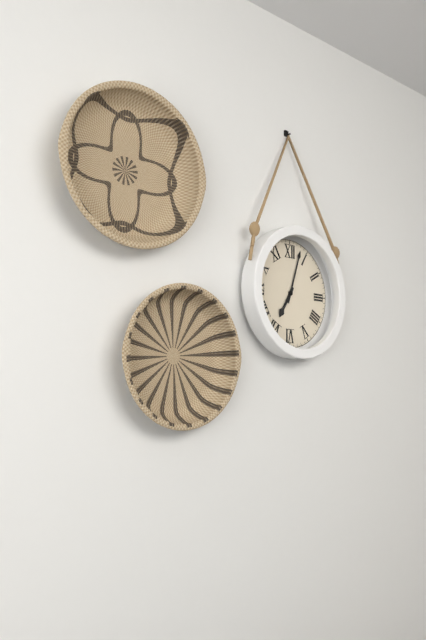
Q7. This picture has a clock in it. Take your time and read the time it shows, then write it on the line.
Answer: 7:03
